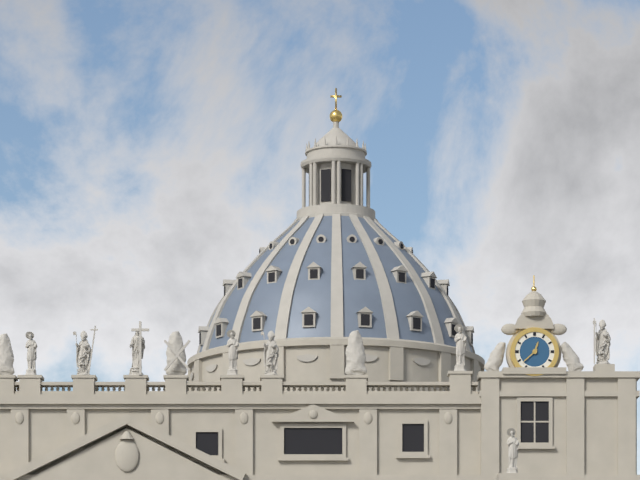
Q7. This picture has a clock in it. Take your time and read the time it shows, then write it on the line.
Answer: 12:38
